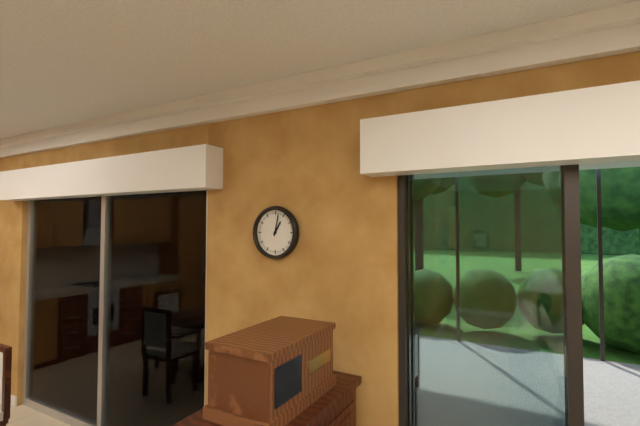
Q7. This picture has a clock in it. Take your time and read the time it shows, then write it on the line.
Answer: 1:02
